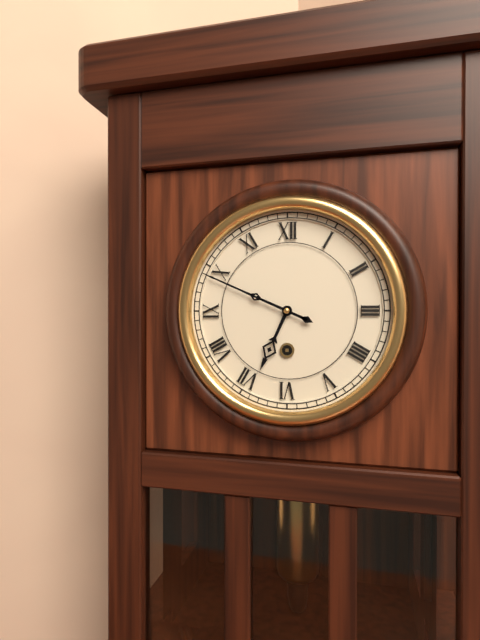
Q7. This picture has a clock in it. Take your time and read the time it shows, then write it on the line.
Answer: 6:49
